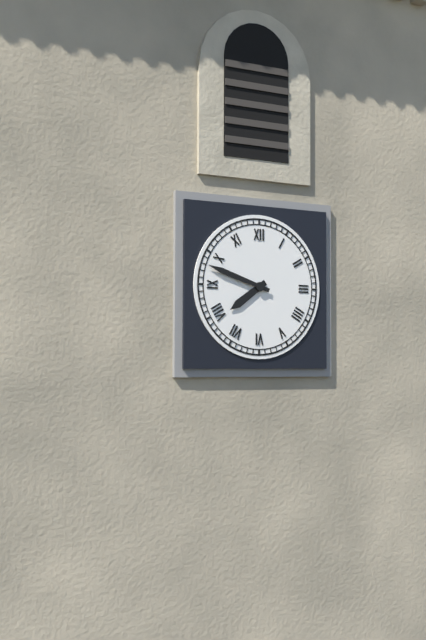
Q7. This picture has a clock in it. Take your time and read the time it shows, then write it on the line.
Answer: 7:48
